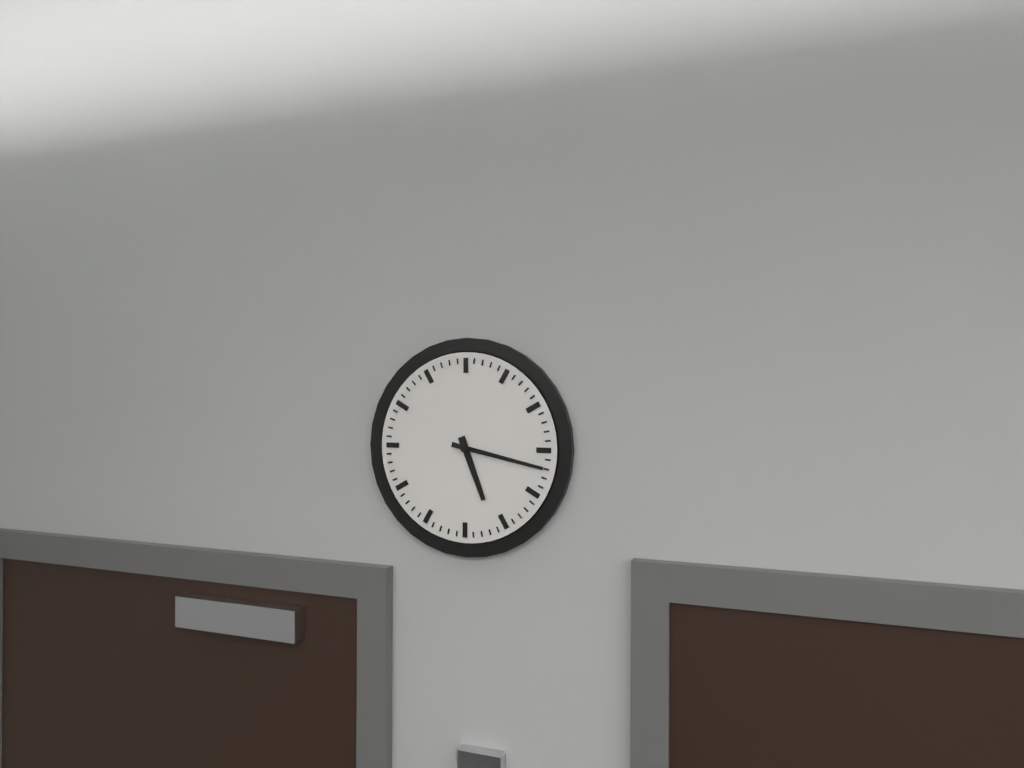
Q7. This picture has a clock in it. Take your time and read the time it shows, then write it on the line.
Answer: 5:17
